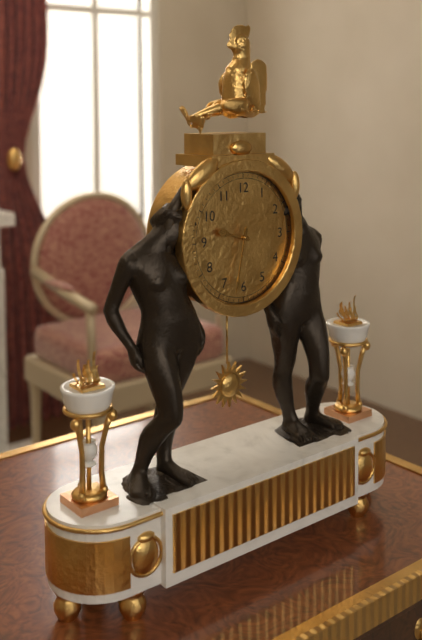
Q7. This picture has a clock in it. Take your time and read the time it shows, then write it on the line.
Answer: 9:32
